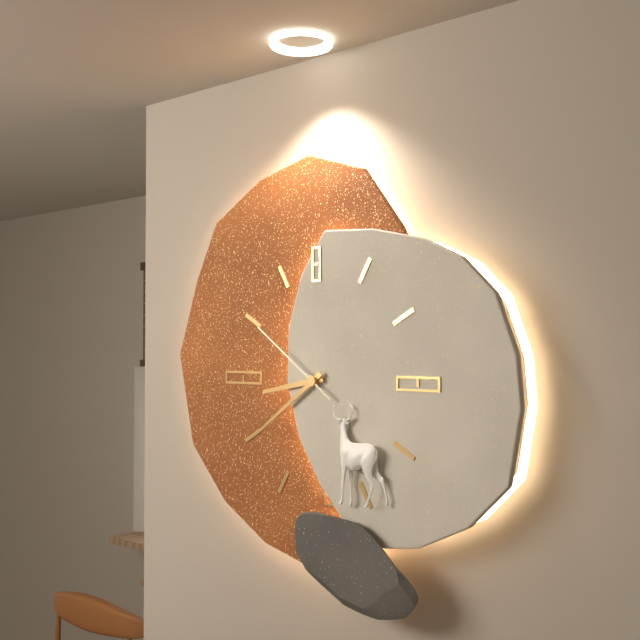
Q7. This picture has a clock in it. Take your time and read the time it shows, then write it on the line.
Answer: 8:39:51
